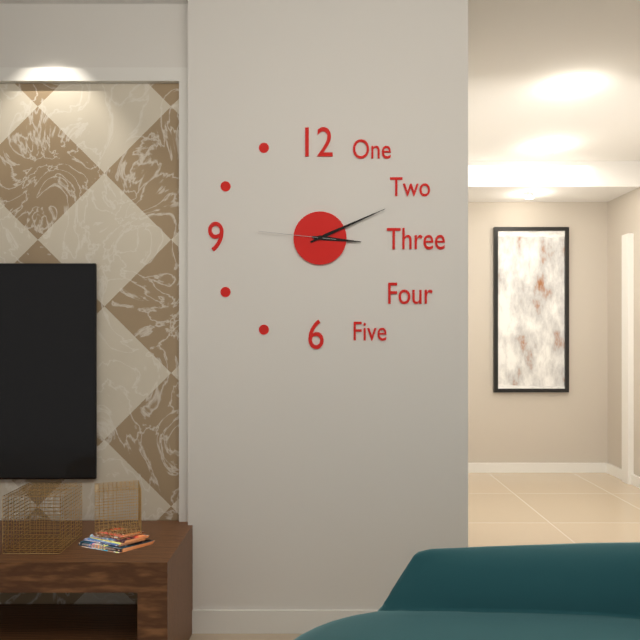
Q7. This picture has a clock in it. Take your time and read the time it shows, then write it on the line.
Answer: 3:11:46
